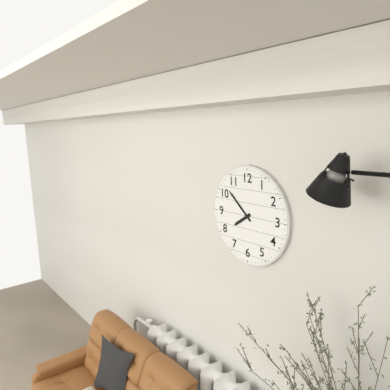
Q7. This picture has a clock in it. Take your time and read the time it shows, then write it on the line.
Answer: 7:52
